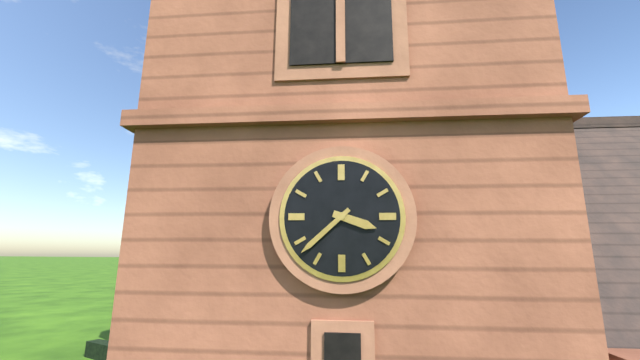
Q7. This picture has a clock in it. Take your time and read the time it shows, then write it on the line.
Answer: 3:38
